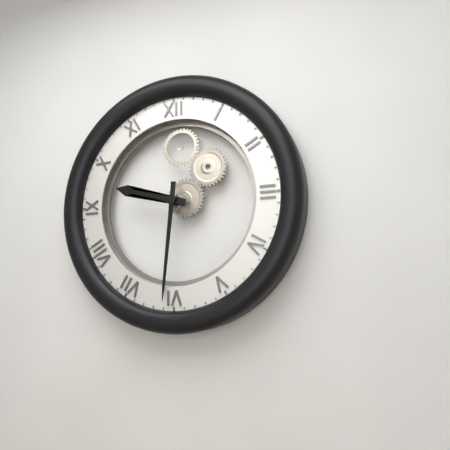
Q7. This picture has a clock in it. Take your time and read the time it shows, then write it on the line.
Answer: 9:31
